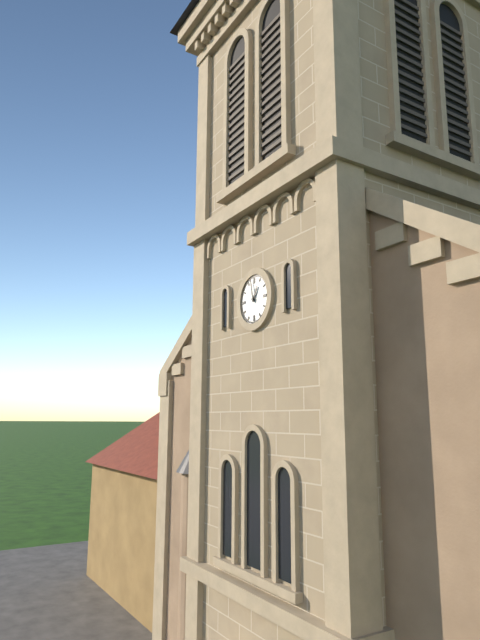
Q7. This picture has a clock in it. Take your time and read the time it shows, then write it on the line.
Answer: 12:58
